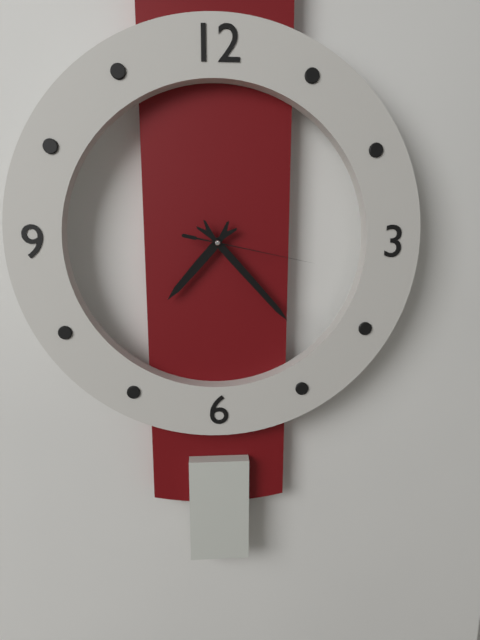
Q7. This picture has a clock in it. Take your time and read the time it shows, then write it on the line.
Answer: 7:23:17
